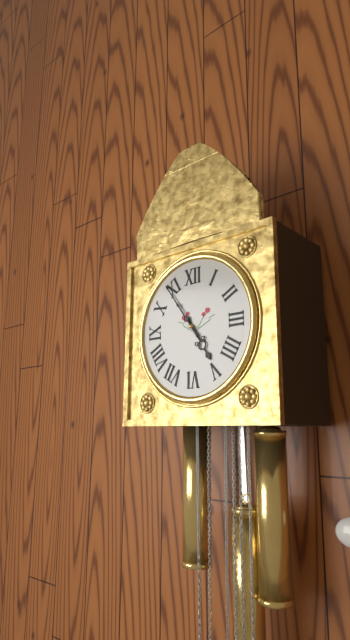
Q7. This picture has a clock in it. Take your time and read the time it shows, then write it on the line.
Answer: 4:54
